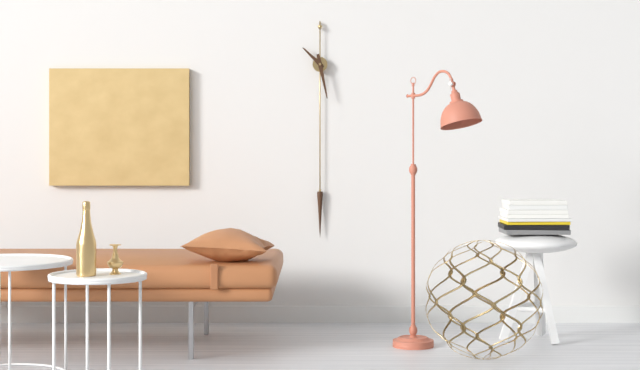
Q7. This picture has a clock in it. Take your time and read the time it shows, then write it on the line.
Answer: 10:28
